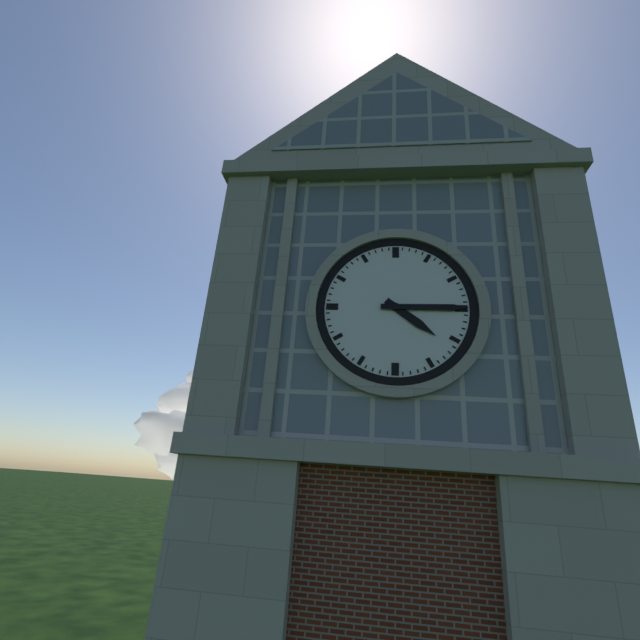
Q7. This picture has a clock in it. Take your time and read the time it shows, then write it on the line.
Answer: 4:15
